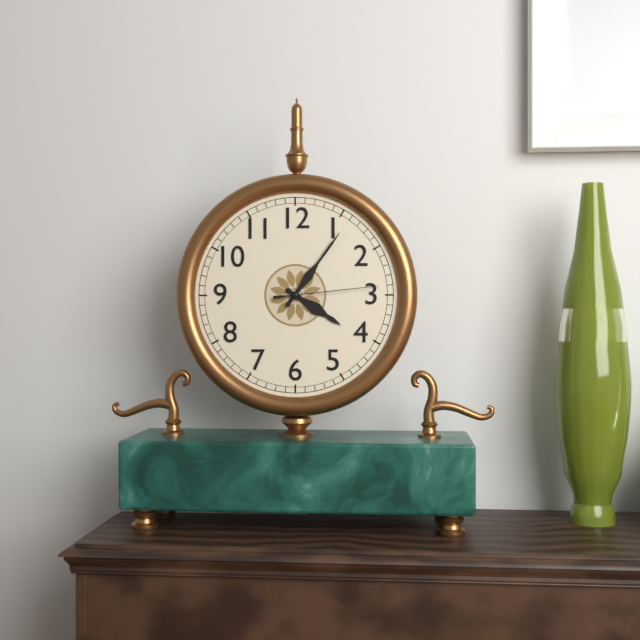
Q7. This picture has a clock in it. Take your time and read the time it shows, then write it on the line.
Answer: 4:06:14
